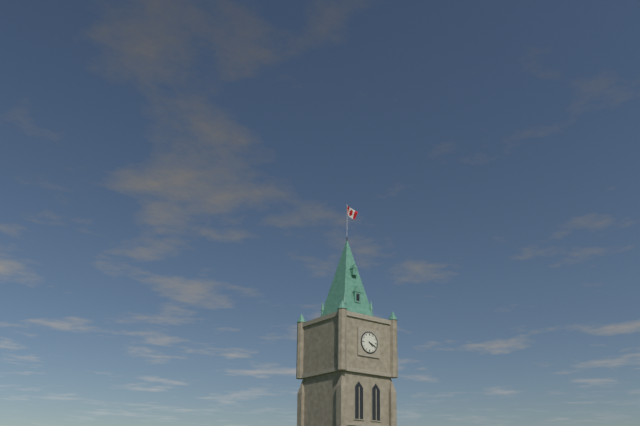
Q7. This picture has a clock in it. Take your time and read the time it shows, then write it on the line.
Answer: 4:19
